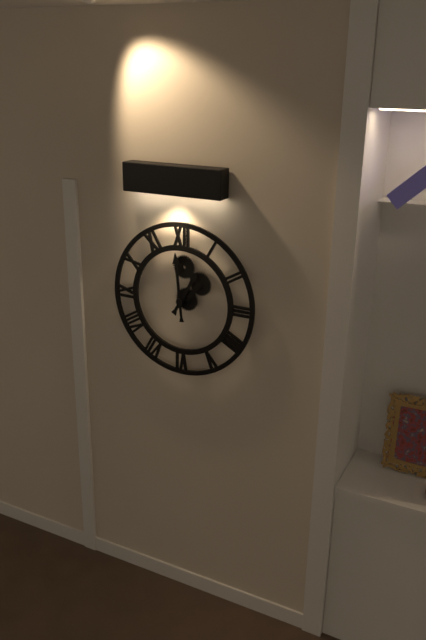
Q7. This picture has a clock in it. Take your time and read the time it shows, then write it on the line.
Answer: 12:59
